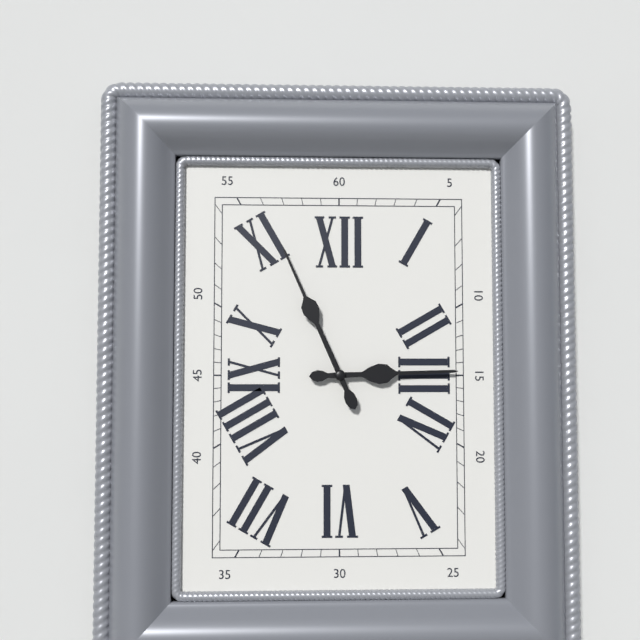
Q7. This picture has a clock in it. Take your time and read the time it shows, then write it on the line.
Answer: 2:56
